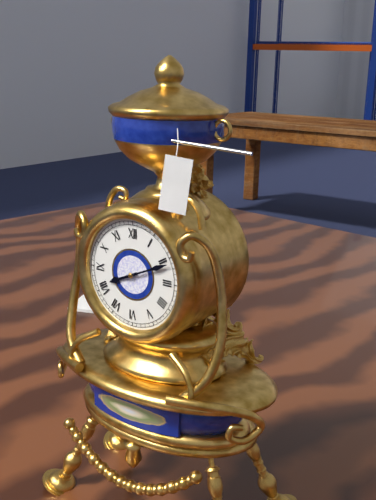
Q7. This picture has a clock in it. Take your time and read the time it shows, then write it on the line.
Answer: 8:11
